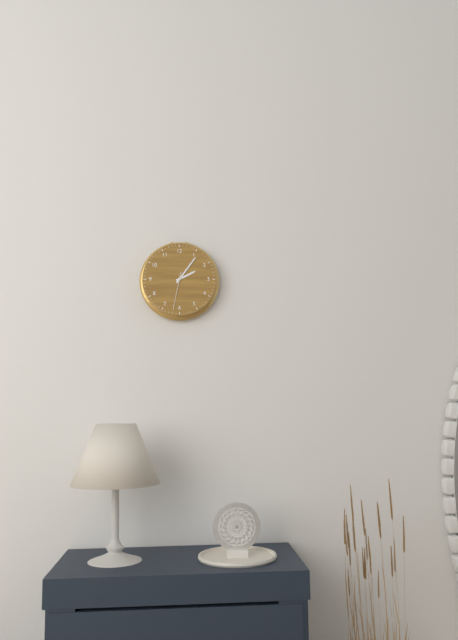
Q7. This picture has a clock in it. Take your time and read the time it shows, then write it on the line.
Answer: 2:06
